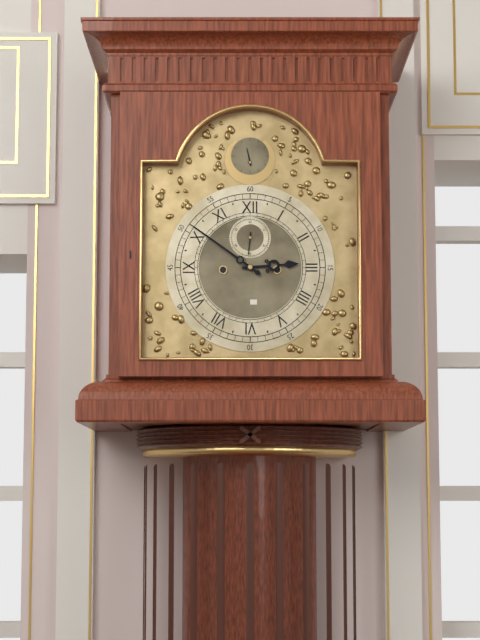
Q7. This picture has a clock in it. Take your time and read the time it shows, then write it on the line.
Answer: 2:51
